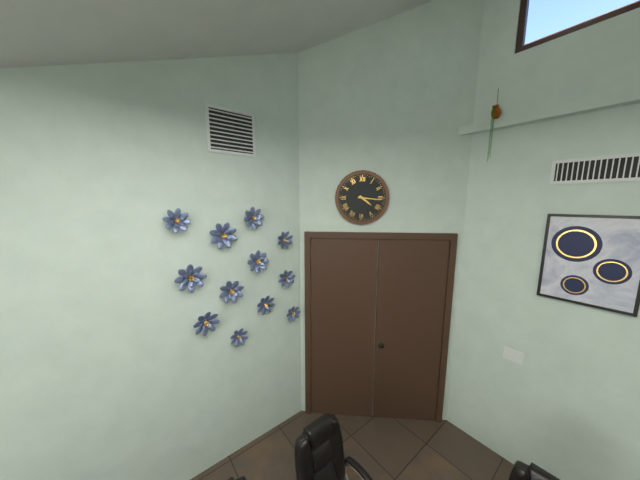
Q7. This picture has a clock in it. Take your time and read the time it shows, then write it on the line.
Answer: 4:16
